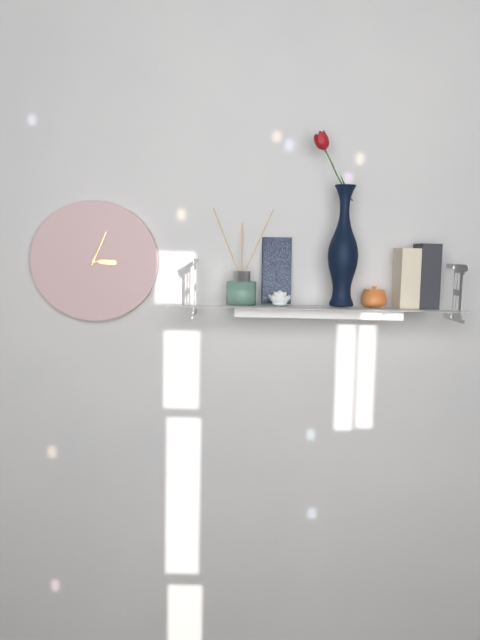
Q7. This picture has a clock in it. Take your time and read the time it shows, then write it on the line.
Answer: 3:04
